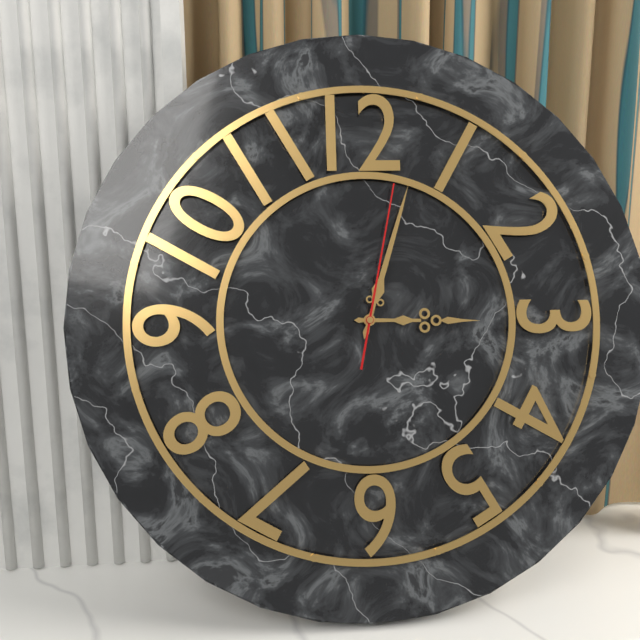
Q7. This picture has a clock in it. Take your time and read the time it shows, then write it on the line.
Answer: 3:03:02
